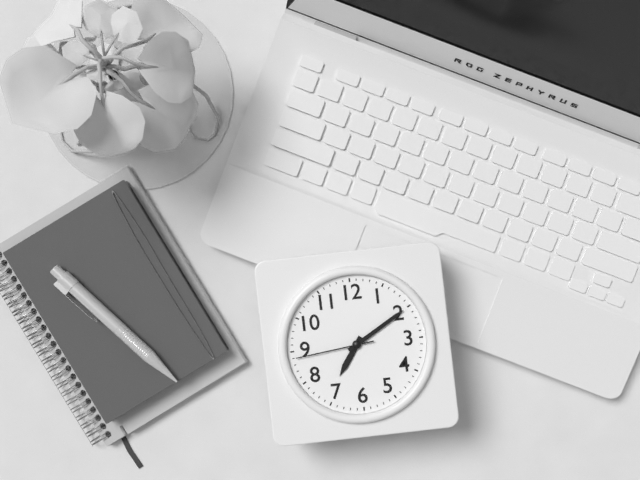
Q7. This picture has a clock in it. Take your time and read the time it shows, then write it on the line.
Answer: 7:10:44
